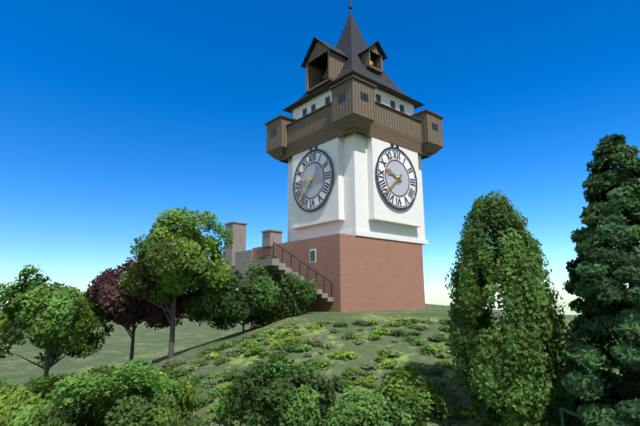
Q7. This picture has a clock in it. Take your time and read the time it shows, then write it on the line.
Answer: 9:38
